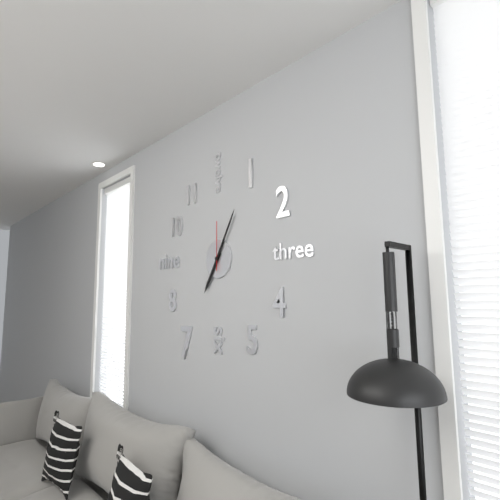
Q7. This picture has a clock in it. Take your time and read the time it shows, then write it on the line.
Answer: 7:05
